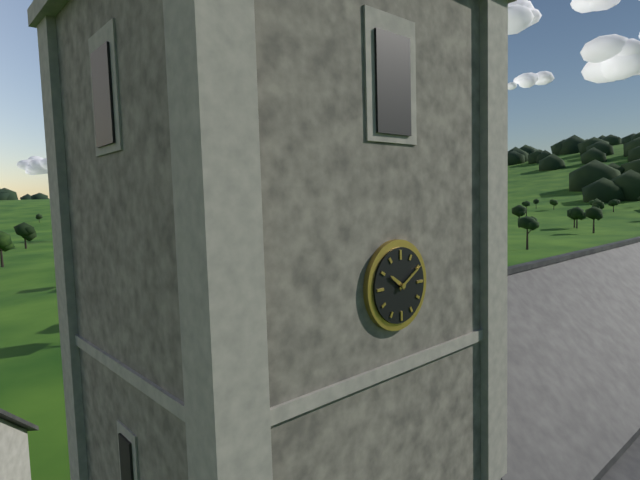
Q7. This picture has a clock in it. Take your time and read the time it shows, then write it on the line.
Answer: 10:10
